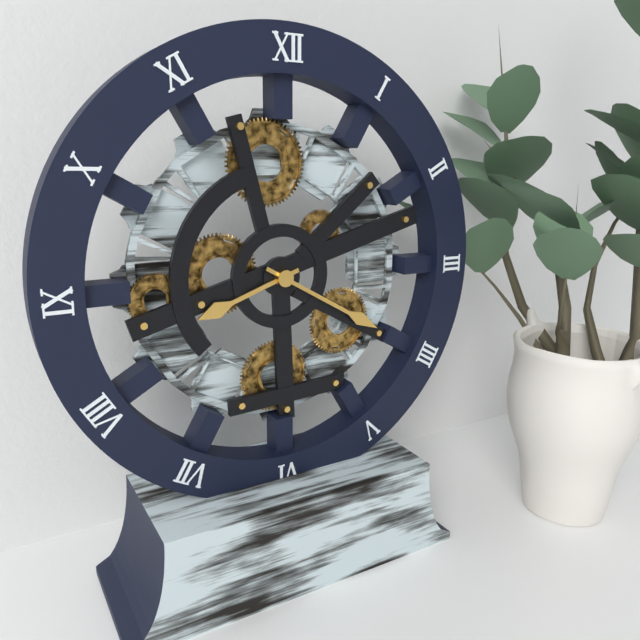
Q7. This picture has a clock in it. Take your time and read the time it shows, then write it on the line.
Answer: 8:20
